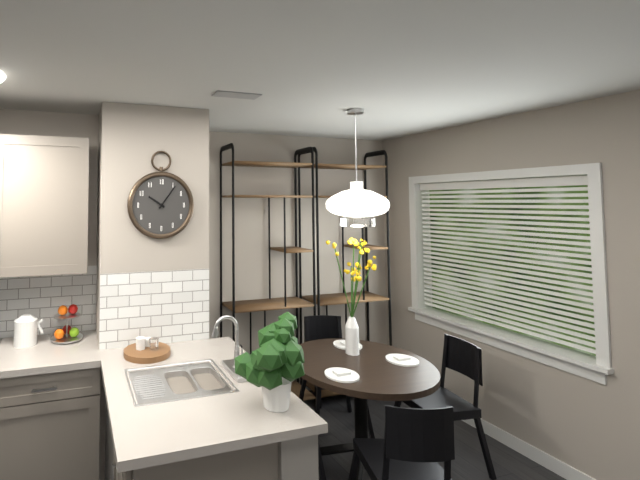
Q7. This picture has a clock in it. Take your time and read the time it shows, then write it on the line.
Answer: 10:06
